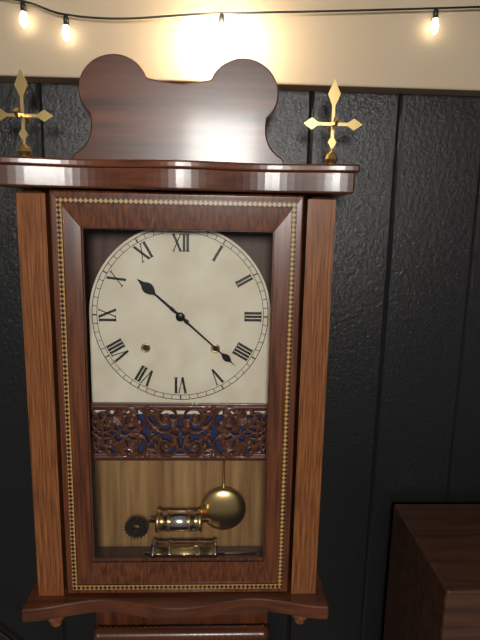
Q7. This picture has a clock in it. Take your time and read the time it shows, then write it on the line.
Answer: 10:22
